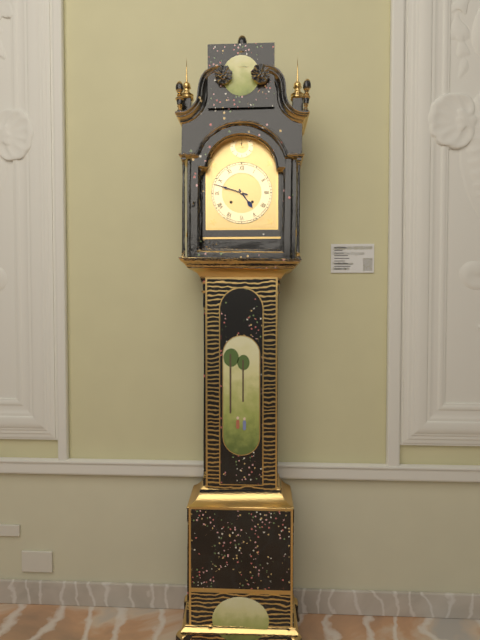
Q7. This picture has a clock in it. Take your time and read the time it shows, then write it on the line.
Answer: 4:48
